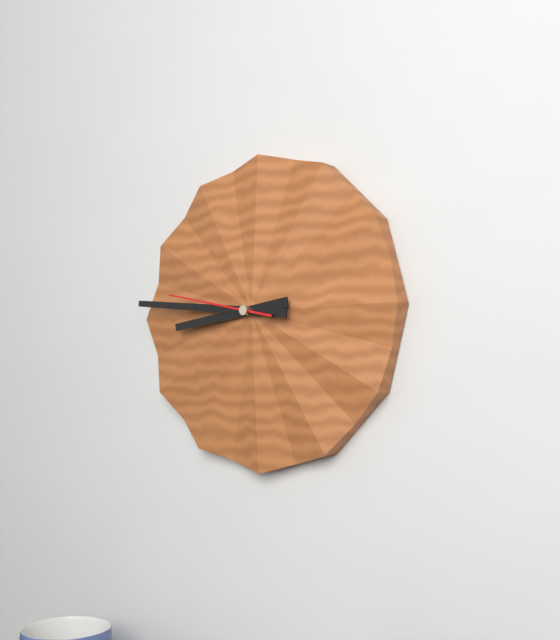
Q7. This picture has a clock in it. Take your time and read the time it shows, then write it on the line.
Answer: 8:46:47
